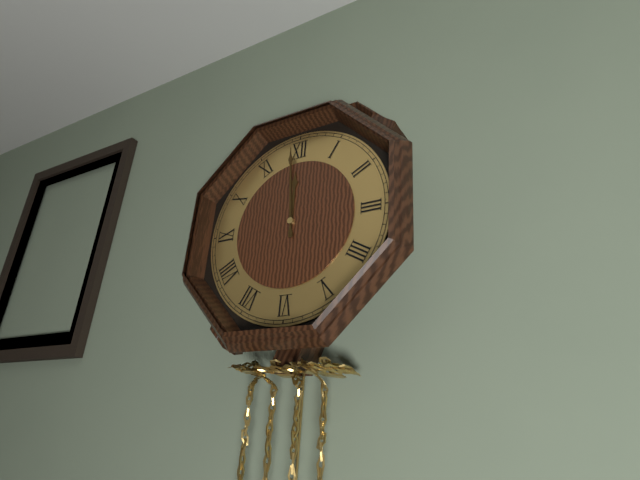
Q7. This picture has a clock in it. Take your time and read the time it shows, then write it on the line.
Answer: 11:59
